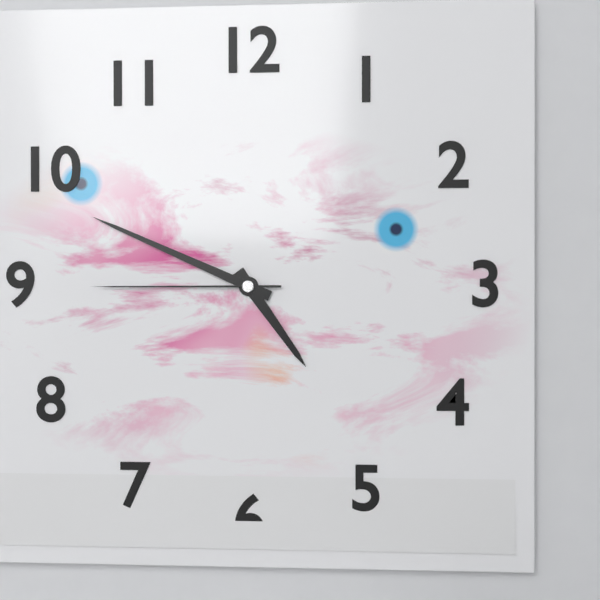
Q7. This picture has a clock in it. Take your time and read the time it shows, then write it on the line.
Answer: 4:49:45
